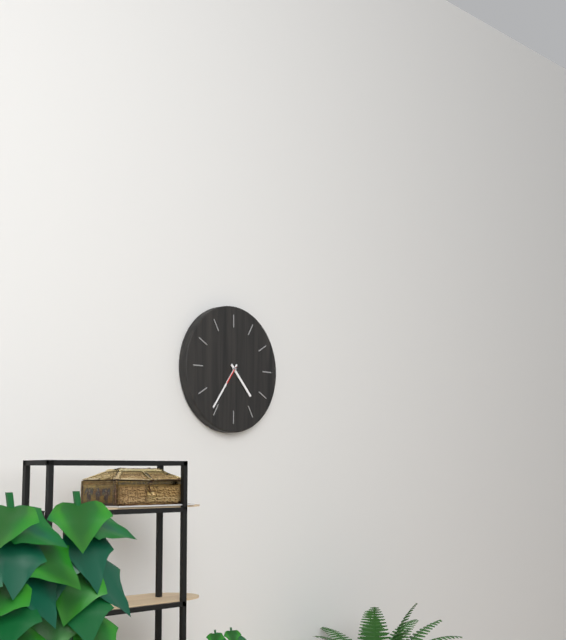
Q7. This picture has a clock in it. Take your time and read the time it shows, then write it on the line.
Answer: 4:36
